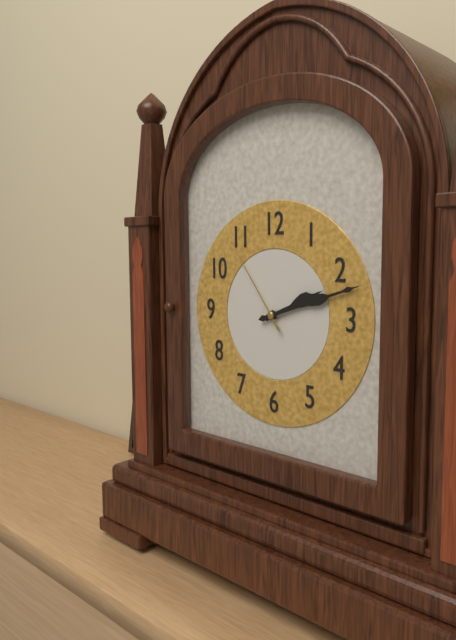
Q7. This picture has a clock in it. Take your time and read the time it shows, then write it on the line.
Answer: 2:12:54
